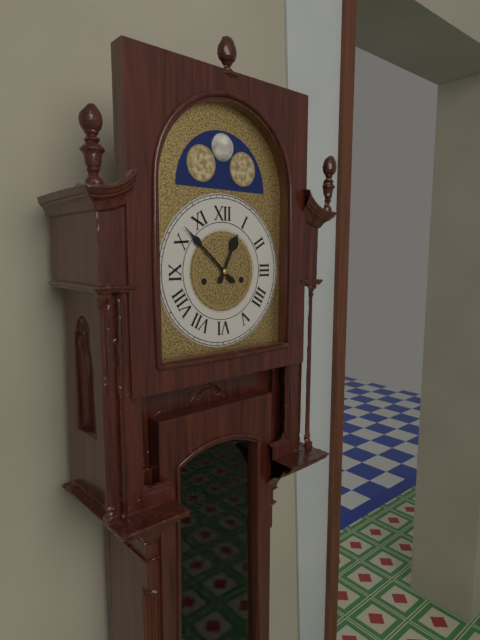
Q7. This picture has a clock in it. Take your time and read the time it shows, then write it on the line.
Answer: 12:52
